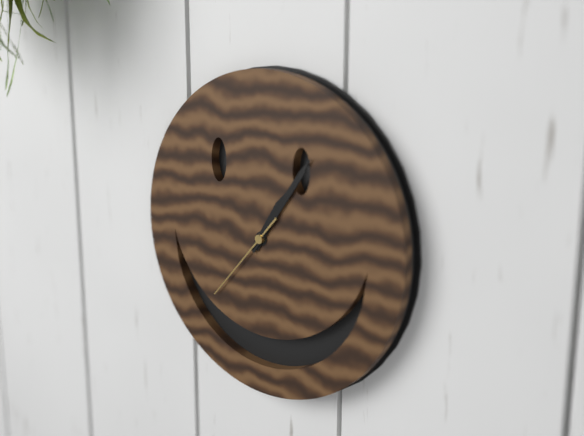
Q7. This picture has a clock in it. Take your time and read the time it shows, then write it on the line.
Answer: 1:06:37
